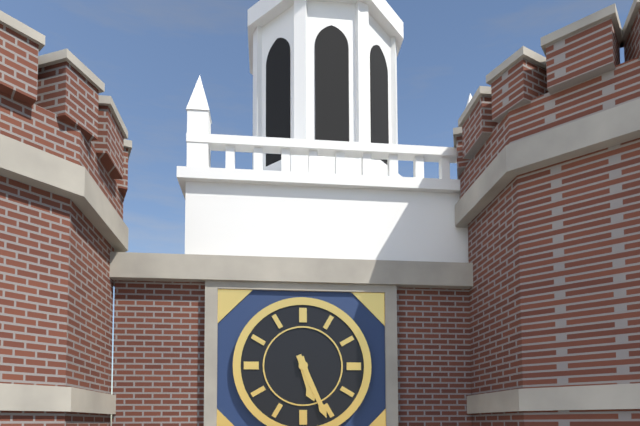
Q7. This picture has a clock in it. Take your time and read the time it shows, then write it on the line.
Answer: 5:26
